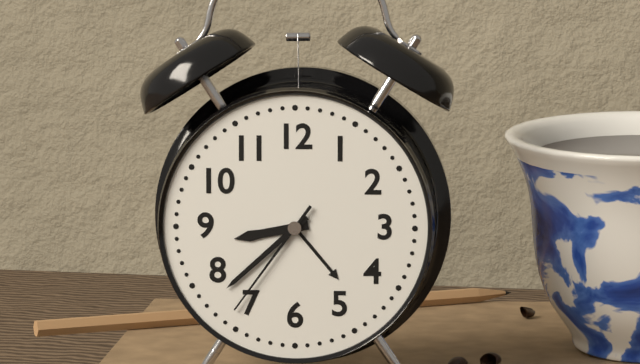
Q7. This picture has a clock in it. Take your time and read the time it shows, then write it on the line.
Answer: 8:38:36
